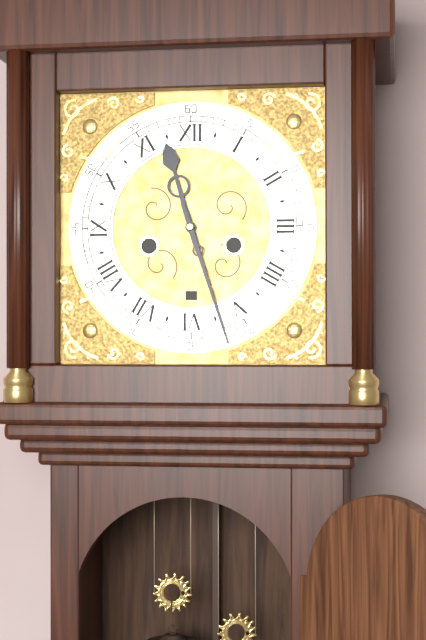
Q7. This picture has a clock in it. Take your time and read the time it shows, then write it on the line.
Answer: 11:27
